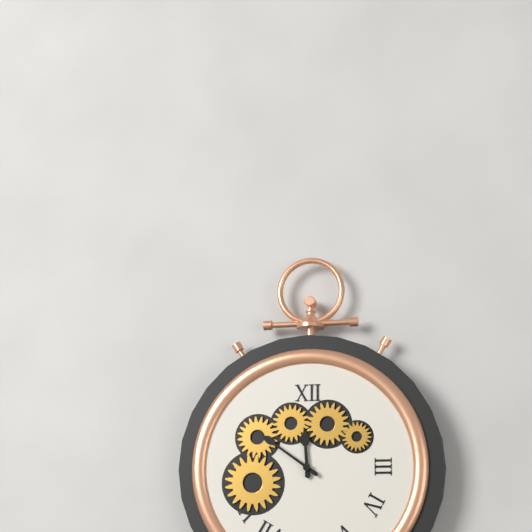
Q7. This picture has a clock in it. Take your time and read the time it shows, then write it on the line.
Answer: 11:51
